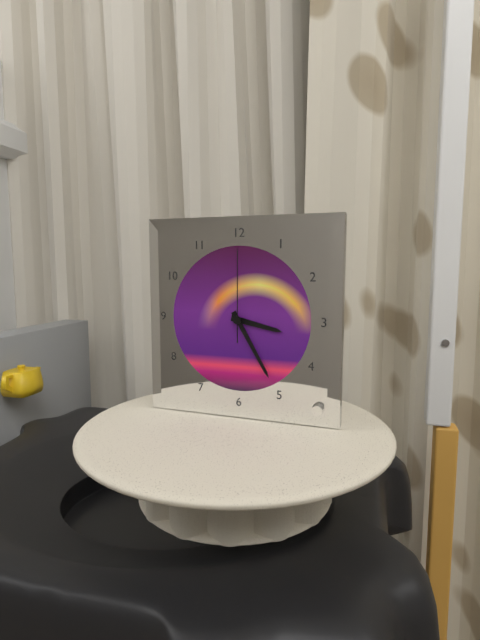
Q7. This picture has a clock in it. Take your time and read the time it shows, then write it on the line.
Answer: 3:25:00
